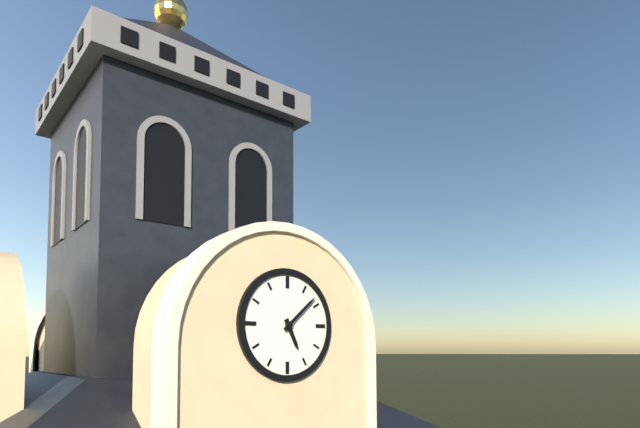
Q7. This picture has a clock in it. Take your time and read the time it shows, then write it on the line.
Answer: 5:08
